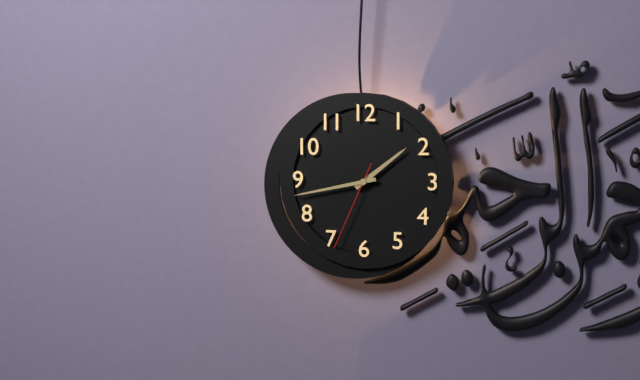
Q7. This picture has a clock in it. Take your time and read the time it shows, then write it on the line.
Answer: 1:43:34
